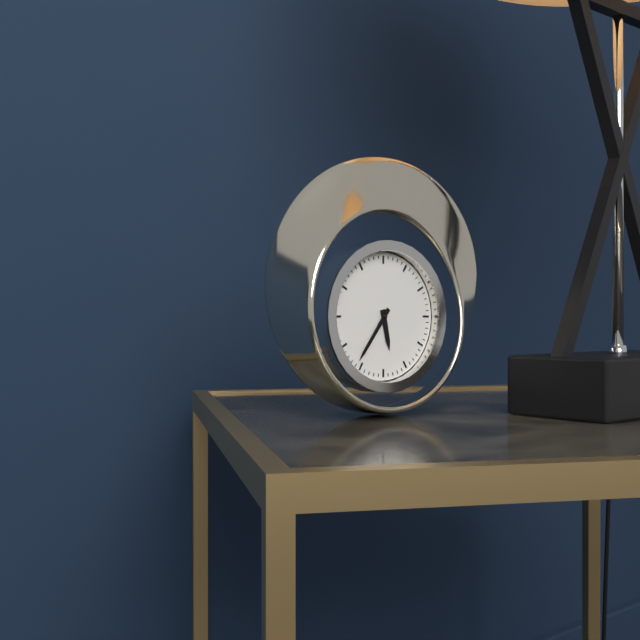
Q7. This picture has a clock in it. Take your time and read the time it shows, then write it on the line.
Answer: 5:36
